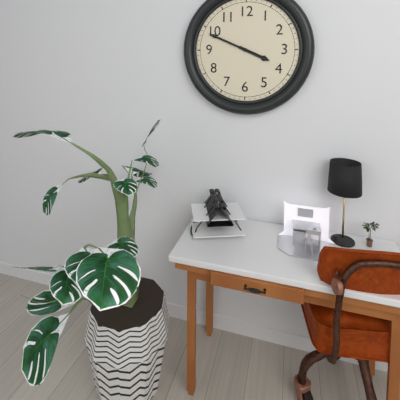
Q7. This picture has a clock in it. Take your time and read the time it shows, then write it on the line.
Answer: 3:49
